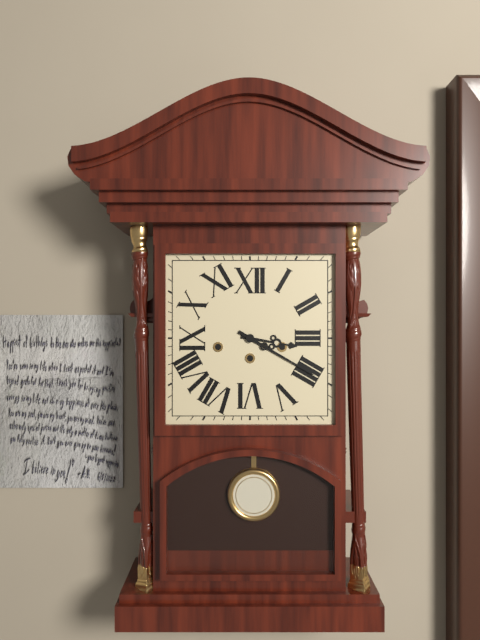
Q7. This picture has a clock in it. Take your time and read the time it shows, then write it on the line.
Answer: 3:20
